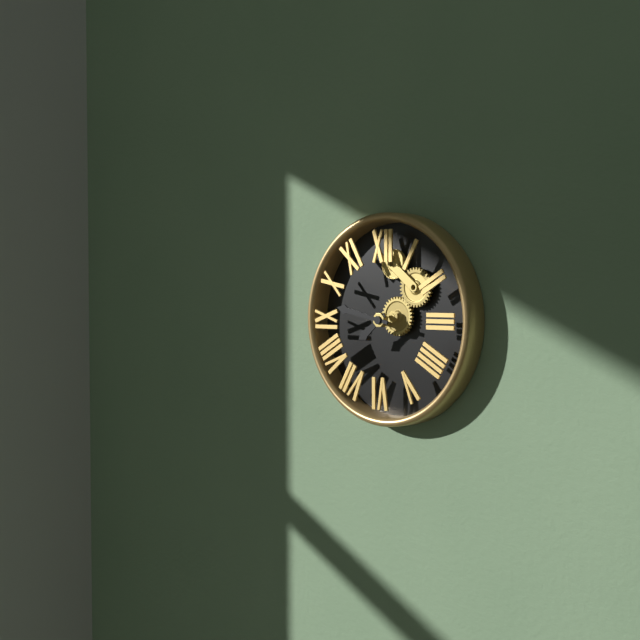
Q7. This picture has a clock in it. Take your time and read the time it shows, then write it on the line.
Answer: 7:47
